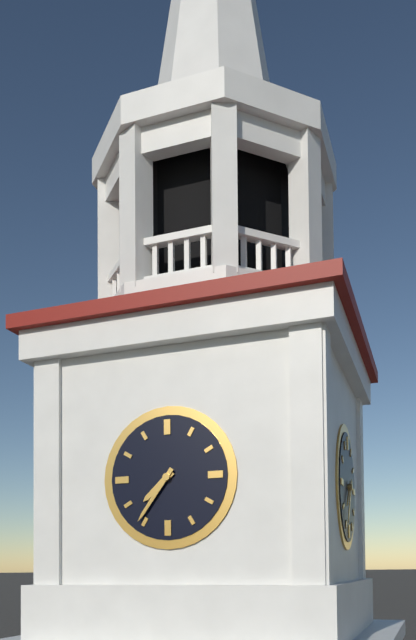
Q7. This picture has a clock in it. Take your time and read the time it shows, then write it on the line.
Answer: 7:36
